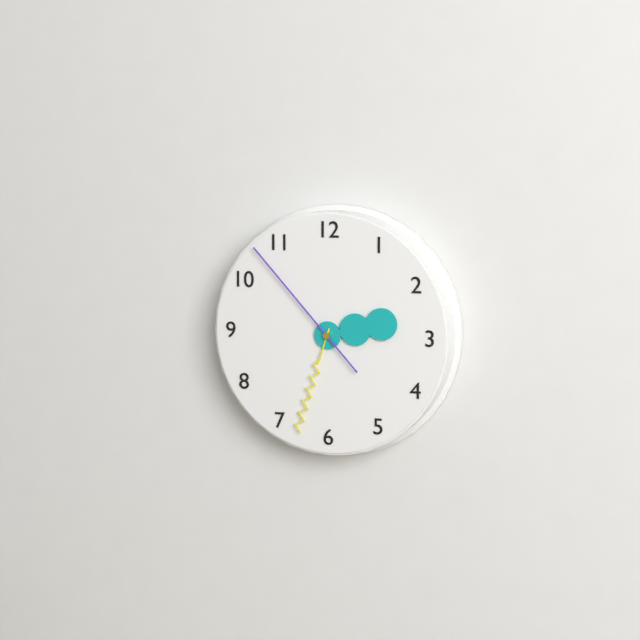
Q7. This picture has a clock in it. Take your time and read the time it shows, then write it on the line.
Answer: 2:33:53
